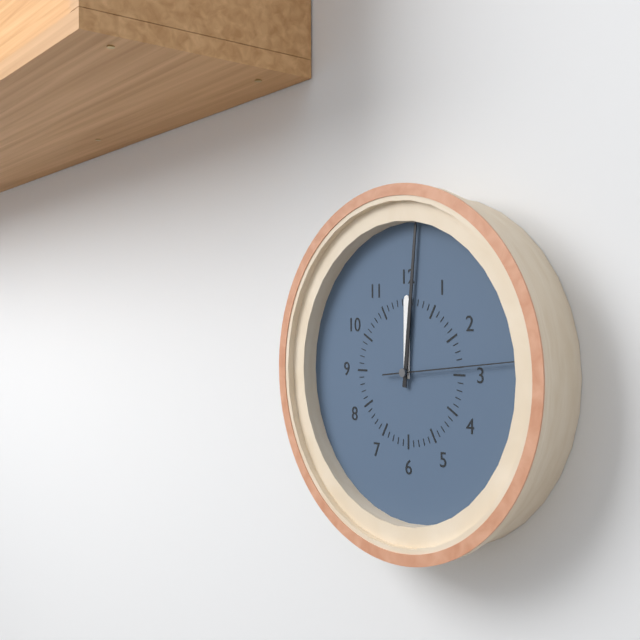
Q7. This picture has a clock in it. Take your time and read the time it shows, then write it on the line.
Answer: 12:01:14
